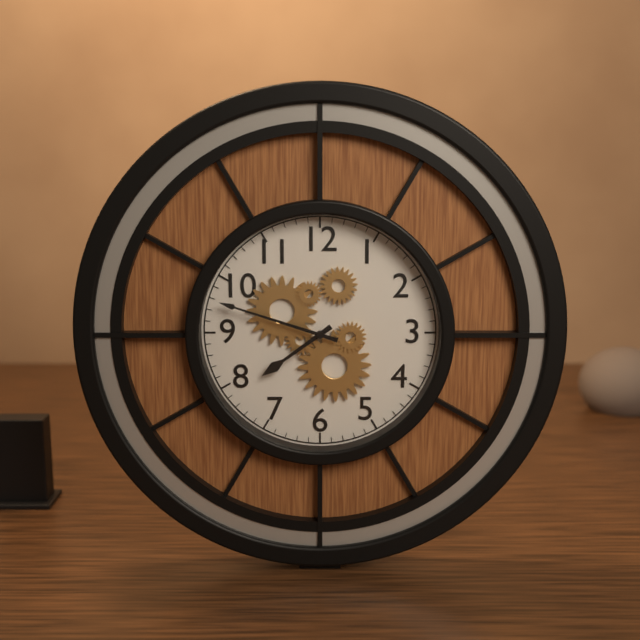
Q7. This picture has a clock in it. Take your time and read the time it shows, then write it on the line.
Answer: 7:48
